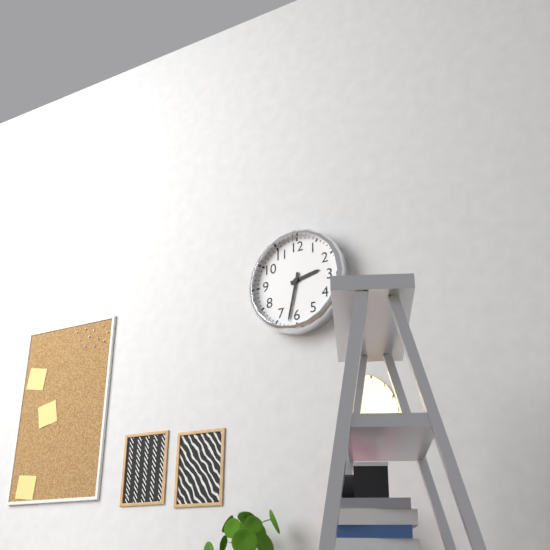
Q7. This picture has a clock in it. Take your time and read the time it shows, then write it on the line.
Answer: 2:32
